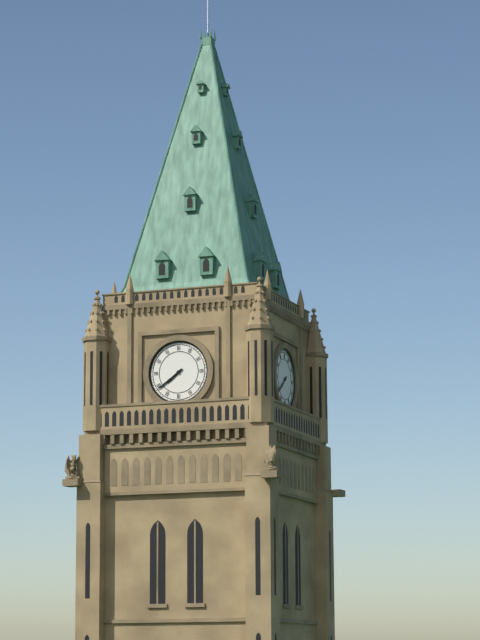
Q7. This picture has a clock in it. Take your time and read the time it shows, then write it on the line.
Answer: 7:39
